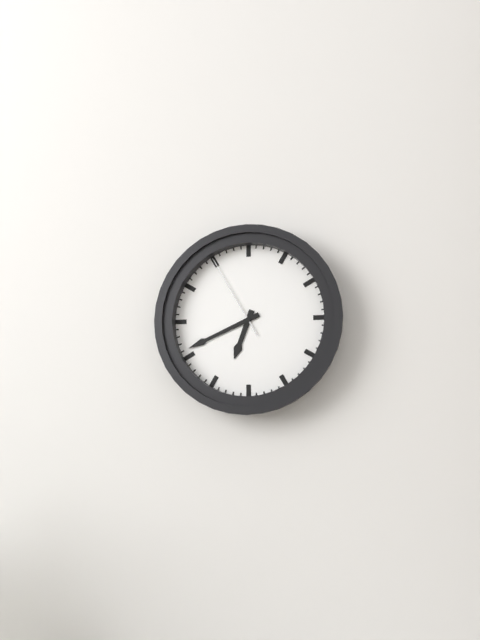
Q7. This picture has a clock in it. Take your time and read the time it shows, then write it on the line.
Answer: 6:41:55
